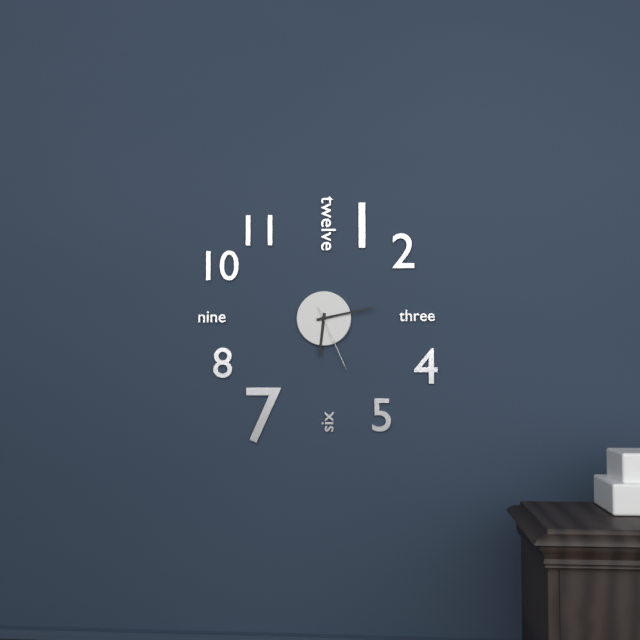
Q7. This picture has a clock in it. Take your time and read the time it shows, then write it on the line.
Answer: 6:13:26
